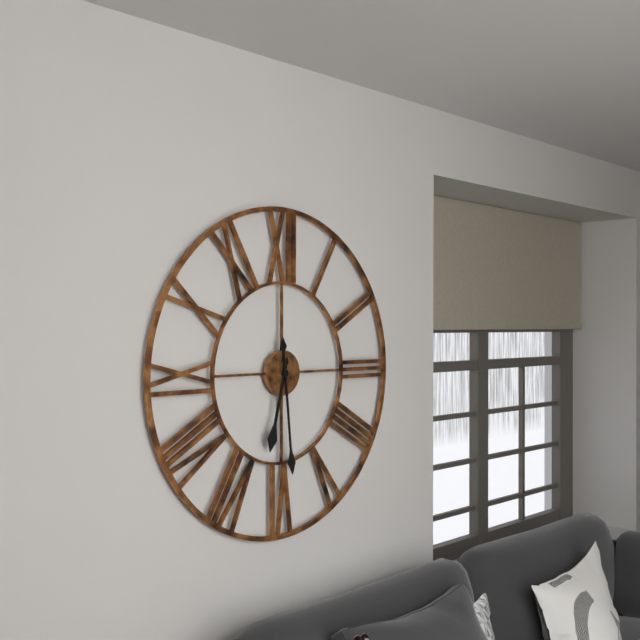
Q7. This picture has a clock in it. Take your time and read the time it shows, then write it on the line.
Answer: 6:29
